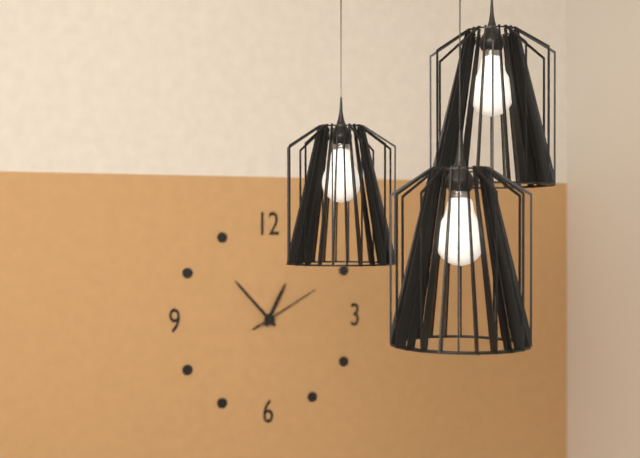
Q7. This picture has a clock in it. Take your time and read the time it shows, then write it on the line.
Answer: 12:53:10
